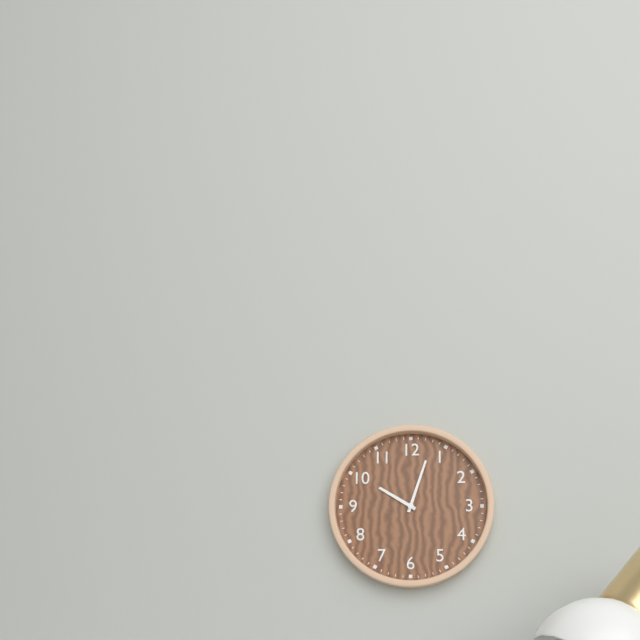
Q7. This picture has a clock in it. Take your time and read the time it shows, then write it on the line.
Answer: 10:03
